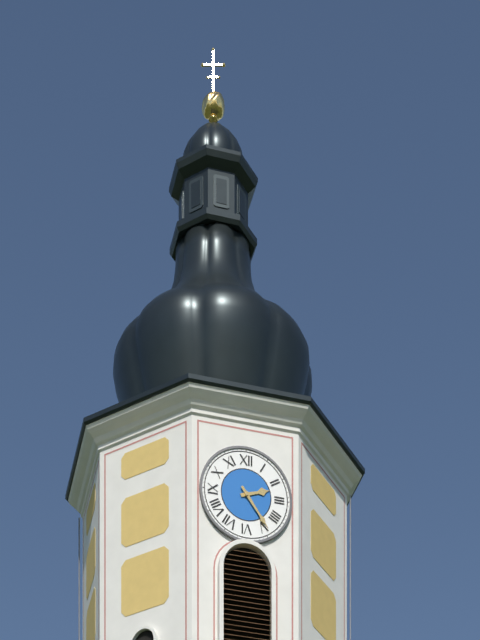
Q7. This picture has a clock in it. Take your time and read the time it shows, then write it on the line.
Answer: 2:24
